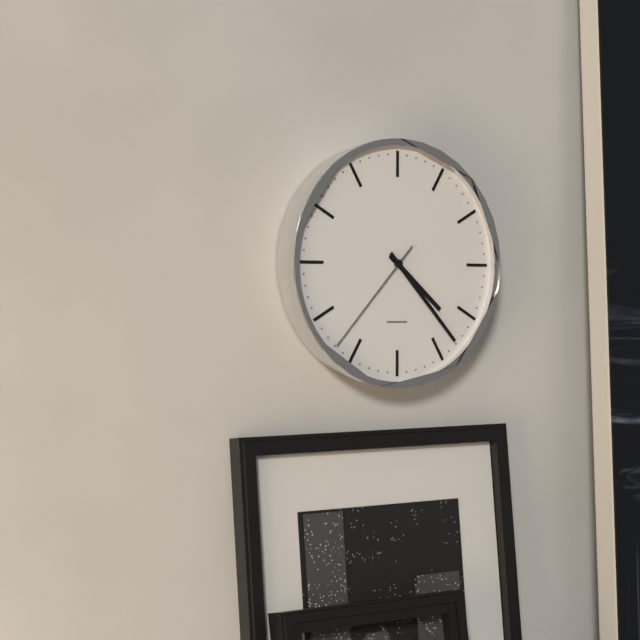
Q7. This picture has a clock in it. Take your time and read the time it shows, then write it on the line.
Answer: 4:23:37
